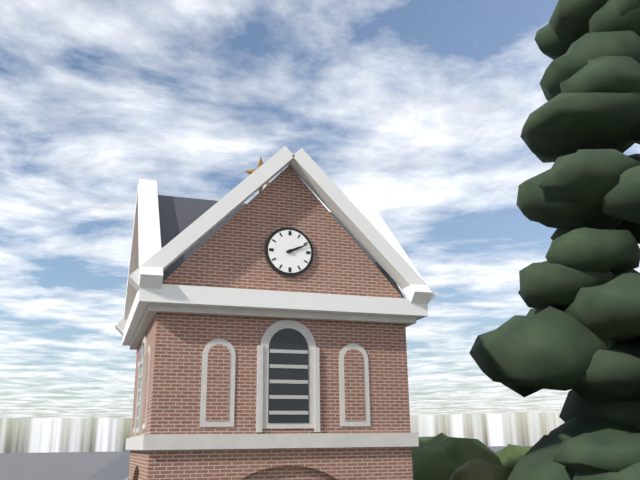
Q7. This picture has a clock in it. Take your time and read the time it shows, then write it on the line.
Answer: 2:11
